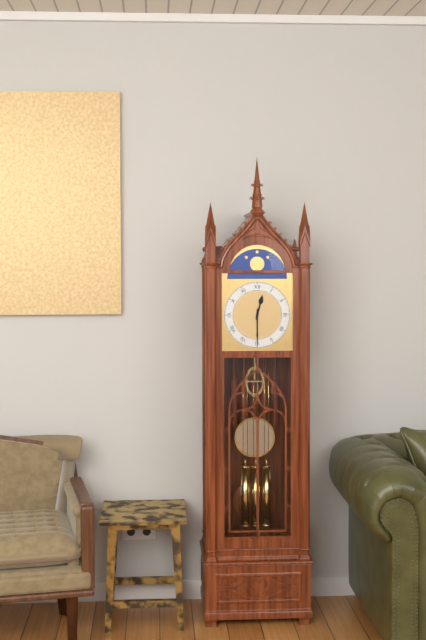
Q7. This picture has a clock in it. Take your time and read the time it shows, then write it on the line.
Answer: 12:30
